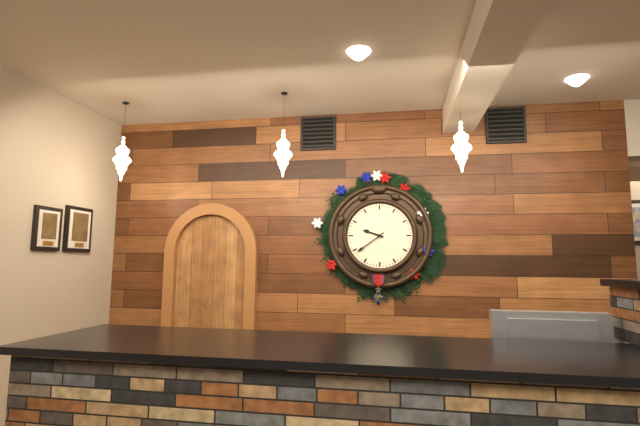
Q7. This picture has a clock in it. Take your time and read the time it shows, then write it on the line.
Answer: 9:39
